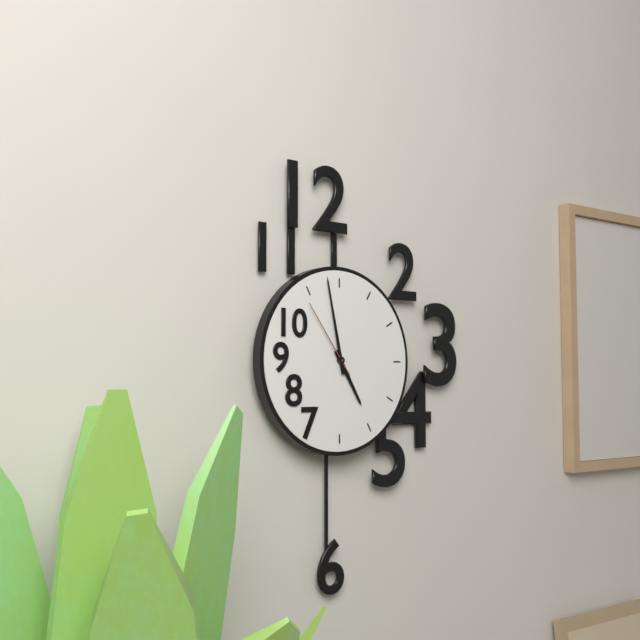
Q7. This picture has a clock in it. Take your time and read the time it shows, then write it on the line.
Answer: 4:58:54
